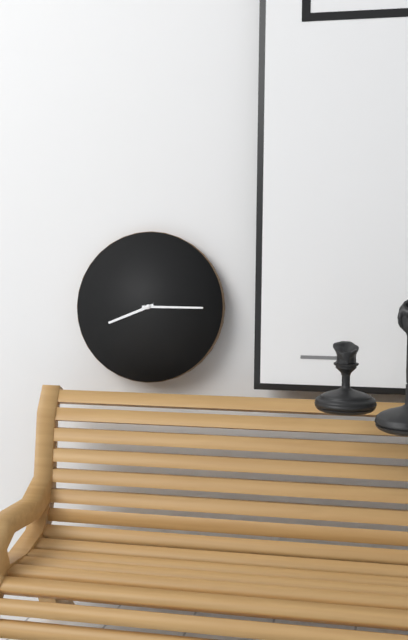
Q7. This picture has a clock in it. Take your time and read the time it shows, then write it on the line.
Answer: 8:15
